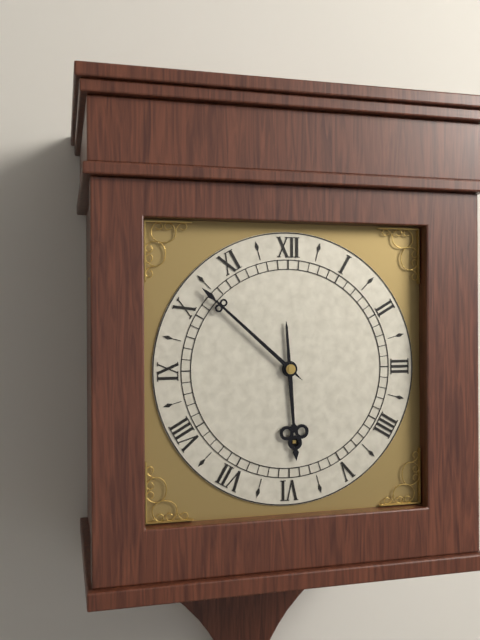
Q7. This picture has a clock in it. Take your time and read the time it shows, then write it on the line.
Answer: 5:52
